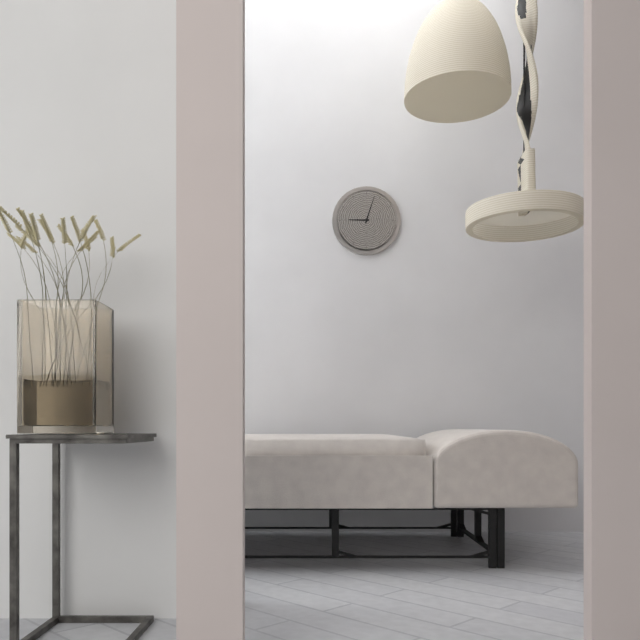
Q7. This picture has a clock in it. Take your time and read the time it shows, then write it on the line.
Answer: 9:03
